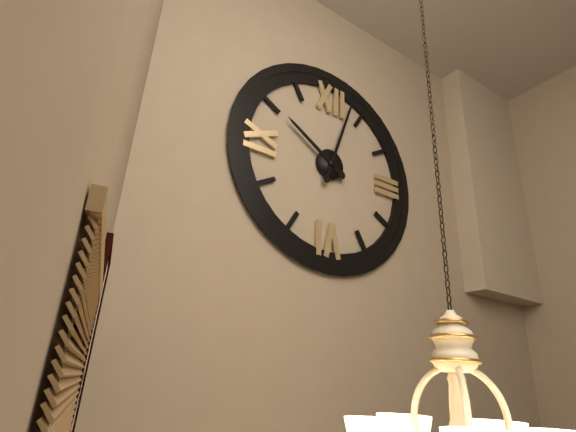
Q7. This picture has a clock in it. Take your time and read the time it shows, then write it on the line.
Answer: 10:03
